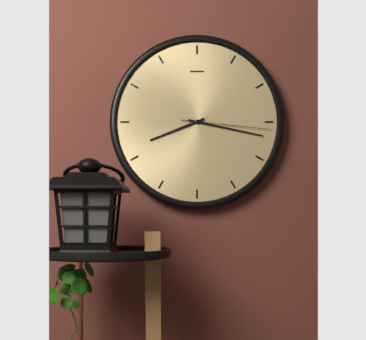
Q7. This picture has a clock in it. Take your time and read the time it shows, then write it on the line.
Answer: 8:17:16
